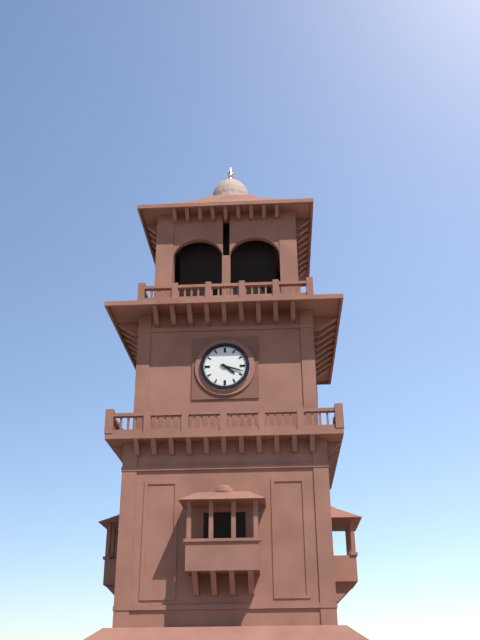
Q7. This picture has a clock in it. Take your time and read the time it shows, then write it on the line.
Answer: 4:18
